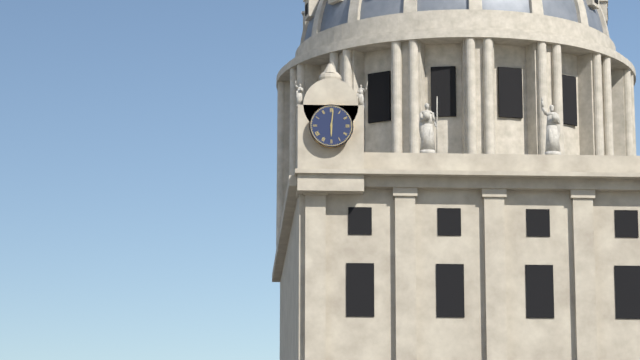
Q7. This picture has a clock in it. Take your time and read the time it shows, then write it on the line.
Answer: 6:01
